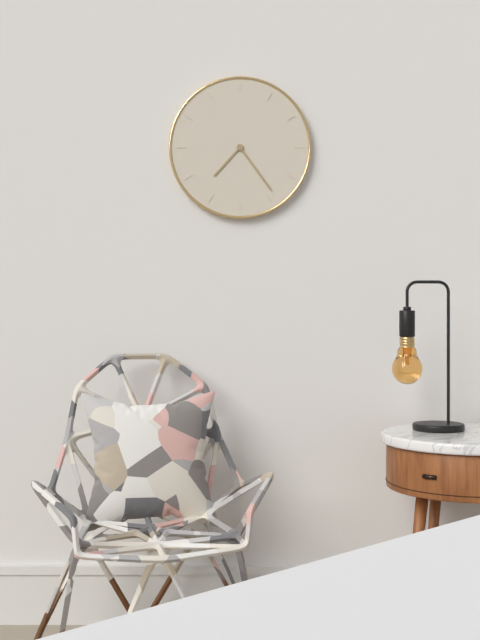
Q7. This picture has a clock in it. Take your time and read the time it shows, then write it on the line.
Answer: 7:24
